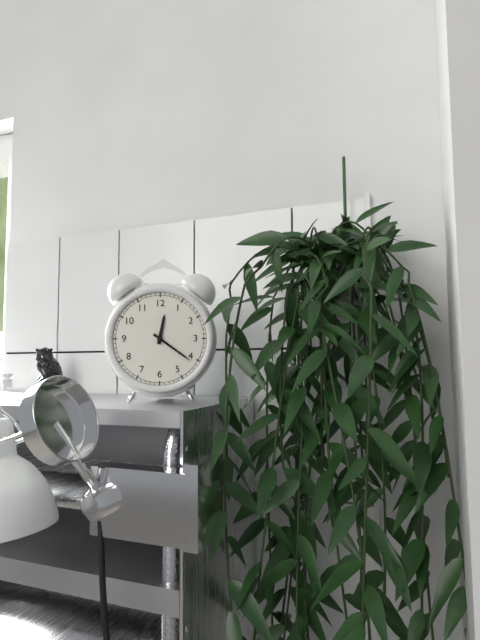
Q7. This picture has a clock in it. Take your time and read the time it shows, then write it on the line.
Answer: 12:21
